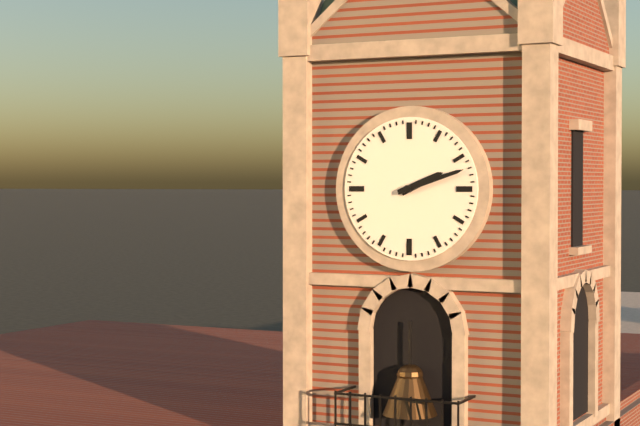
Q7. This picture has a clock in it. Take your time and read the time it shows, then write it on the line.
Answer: 2:12
